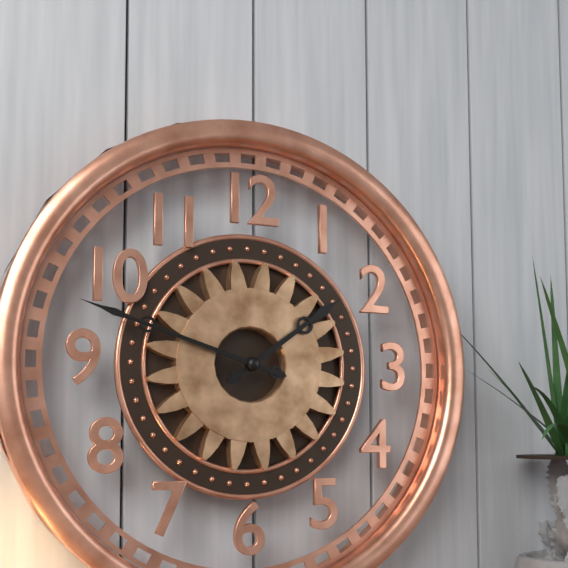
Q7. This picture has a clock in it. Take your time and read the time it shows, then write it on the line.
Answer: 1:48
